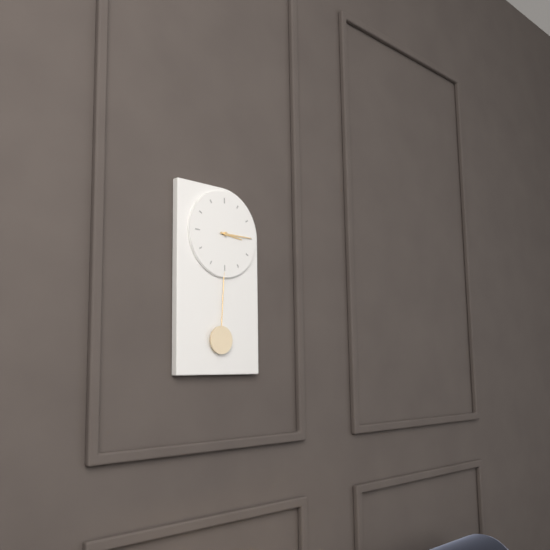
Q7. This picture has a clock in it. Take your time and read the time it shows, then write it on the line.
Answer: 3:15
